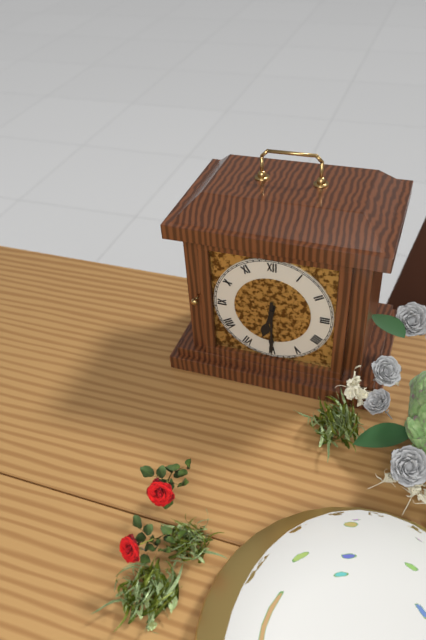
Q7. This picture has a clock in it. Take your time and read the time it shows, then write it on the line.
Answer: 6:30
